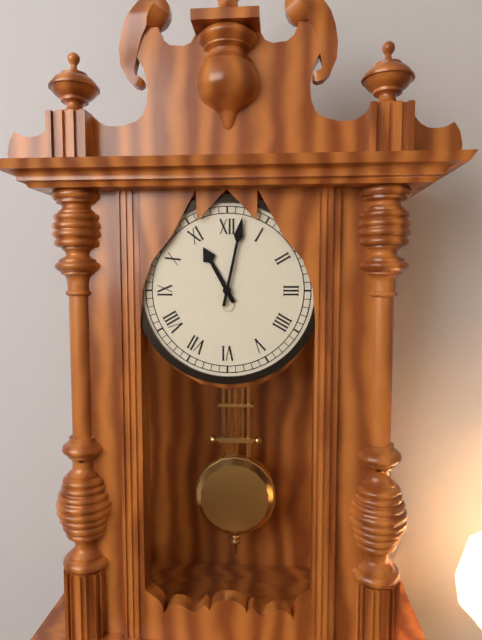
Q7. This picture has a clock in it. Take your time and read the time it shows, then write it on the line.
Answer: 11:02
